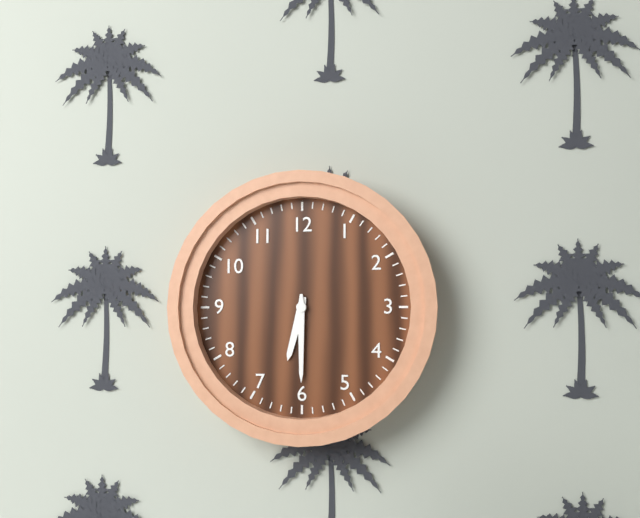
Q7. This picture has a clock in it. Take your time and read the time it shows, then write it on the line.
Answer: 6:30
